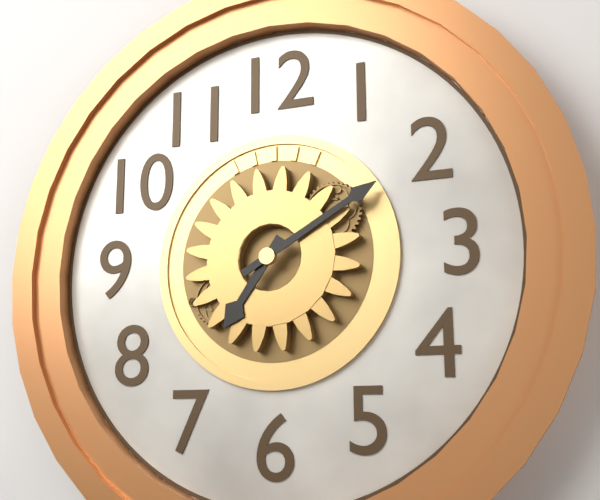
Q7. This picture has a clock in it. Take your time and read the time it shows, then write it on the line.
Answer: 7:10
